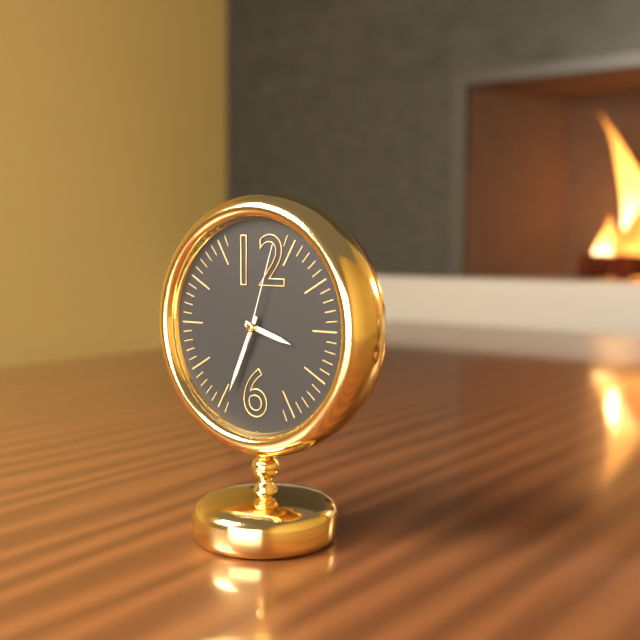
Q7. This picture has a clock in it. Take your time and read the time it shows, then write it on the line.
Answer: 3:34:03
